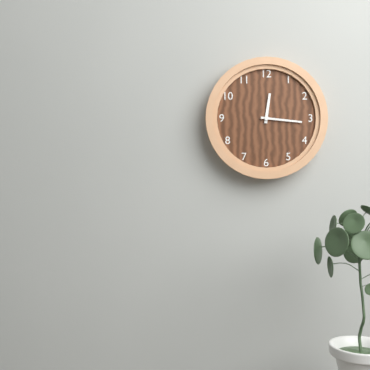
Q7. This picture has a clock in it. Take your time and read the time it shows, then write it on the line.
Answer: 12:16
